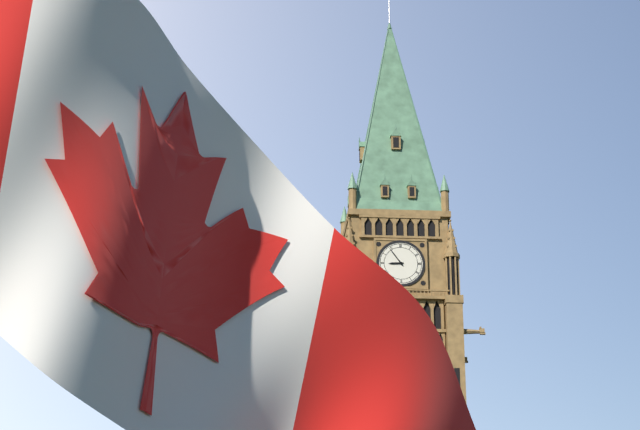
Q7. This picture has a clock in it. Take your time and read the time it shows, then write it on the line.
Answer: 8:54
